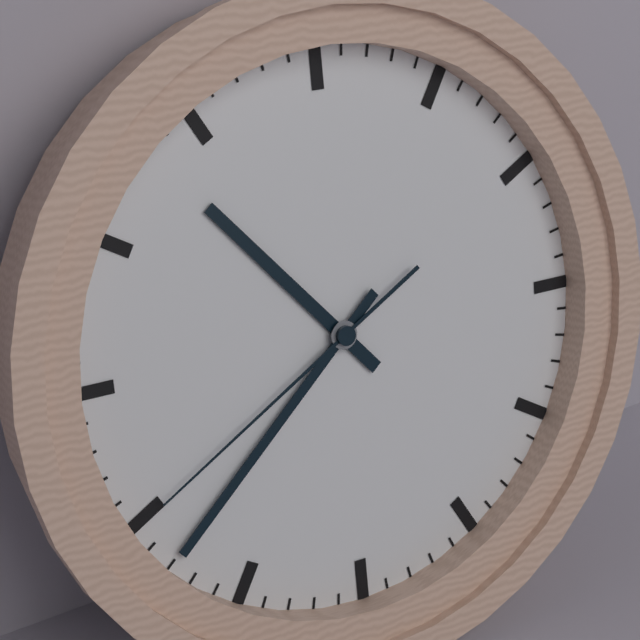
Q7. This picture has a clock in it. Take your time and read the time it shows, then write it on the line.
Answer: 10:38:40
